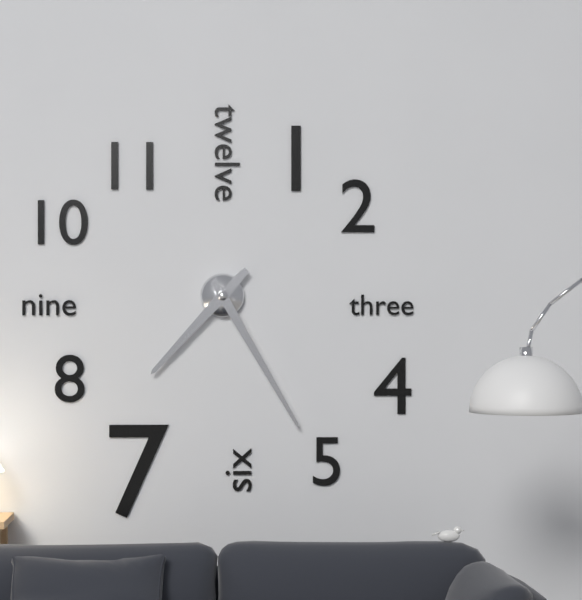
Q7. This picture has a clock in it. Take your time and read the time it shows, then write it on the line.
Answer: 7:25
